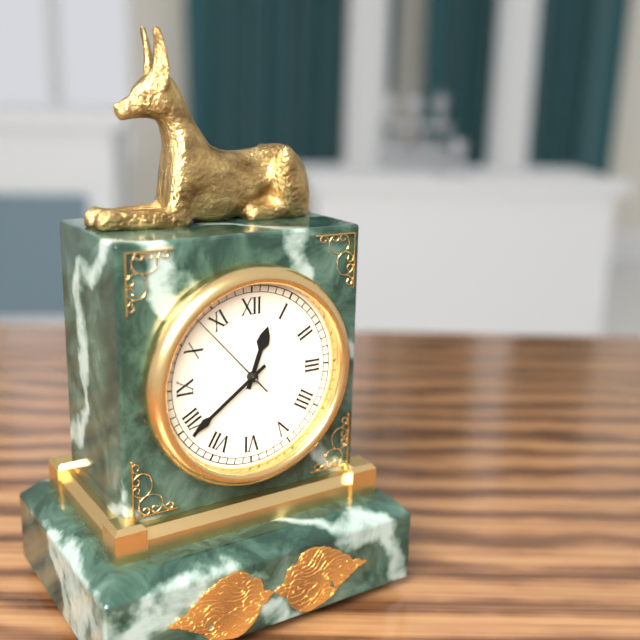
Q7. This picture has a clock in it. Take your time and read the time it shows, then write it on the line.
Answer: 12:39:53
